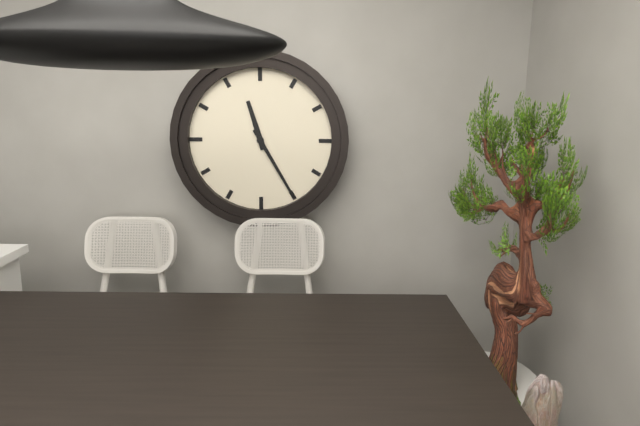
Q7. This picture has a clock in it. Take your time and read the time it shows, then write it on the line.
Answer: 11:25
